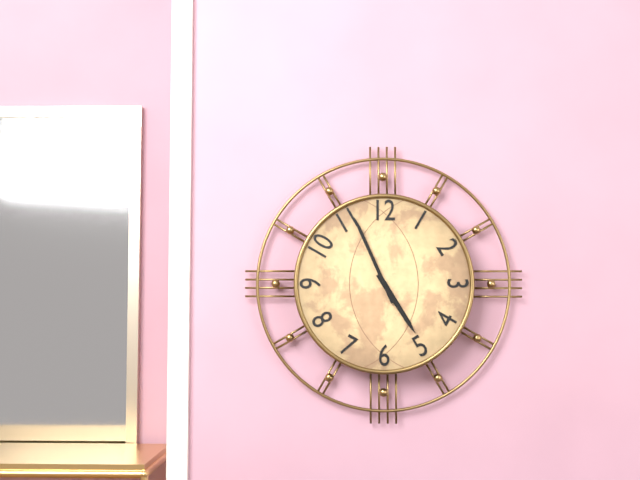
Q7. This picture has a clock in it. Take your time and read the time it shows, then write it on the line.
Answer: 4:56
